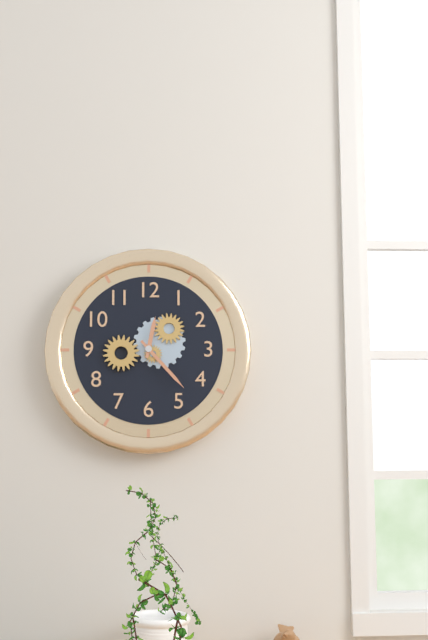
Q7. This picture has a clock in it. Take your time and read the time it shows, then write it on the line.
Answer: 12:23
